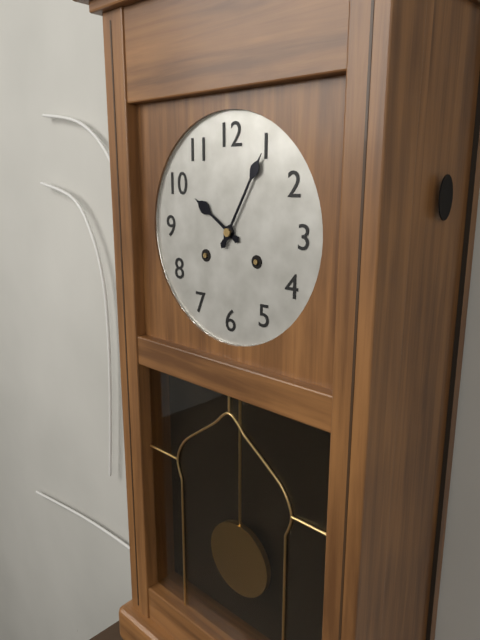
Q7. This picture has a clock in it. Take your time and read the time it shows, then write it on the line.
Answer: 10:05
